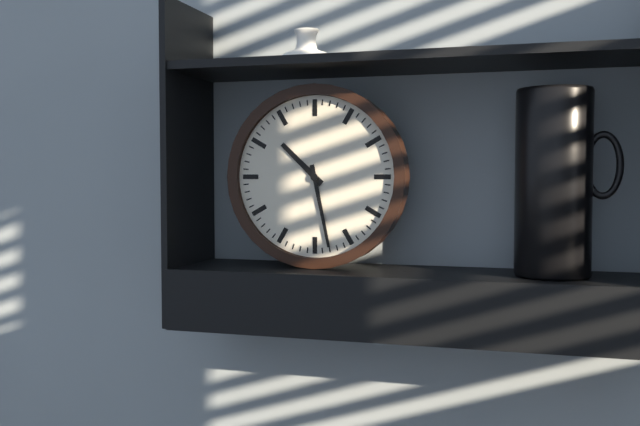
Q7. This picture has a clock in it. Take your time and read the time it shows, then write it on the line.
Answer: 10:28
